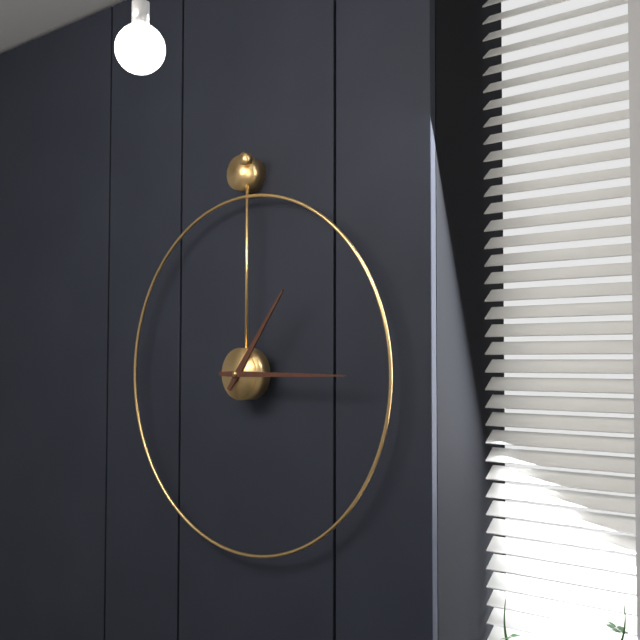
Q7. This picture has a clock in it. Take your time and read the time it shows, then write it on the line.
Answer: 1:15
